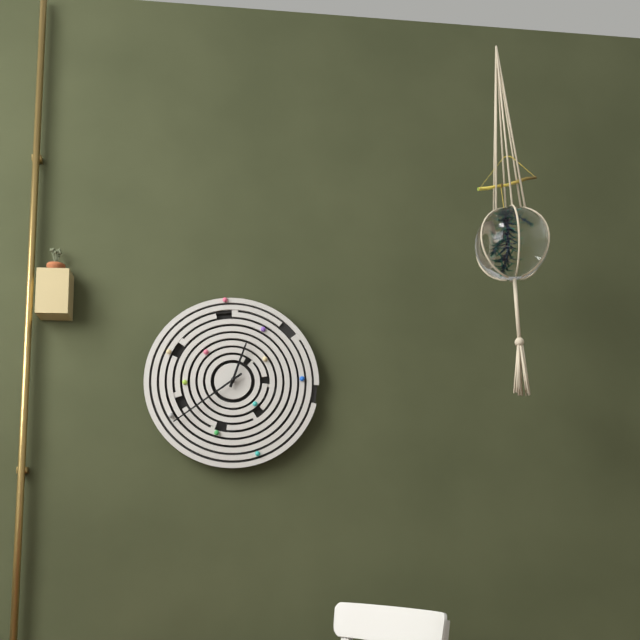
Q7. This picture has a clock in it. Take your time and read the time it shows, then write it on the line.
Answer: 12:39
